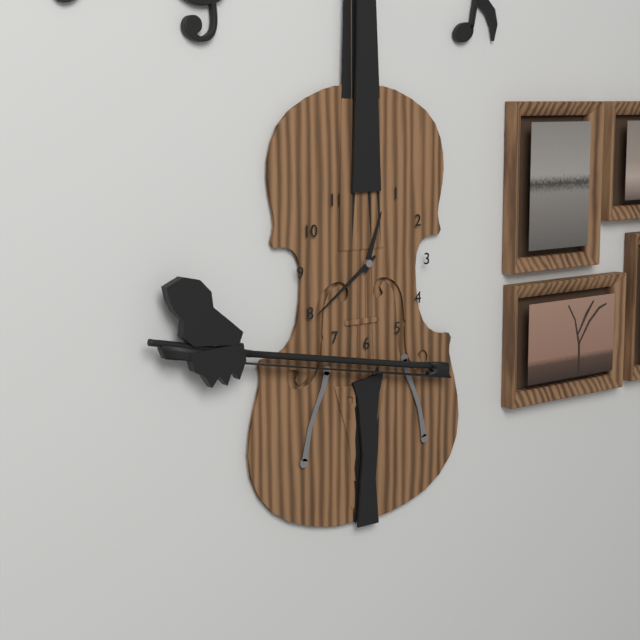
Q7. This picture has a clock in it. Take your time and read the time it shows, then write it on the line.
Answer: 12:39
